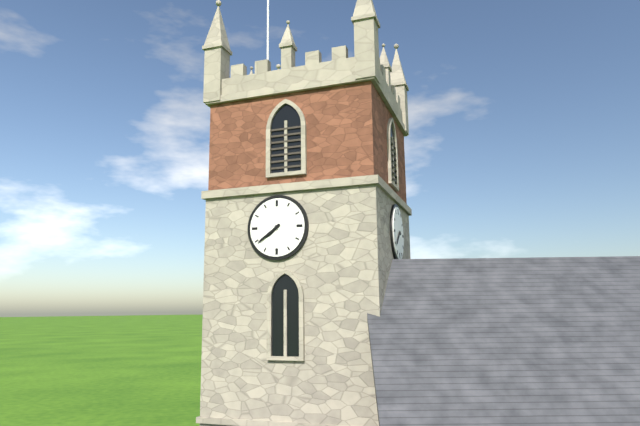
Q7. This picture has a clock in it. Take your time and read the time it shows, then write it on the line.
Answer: 7:39
